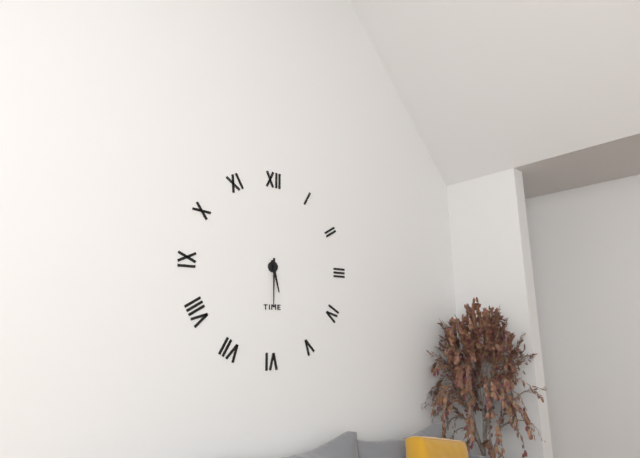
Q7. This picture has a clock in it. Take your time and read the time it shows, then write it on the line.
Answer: 5:30
